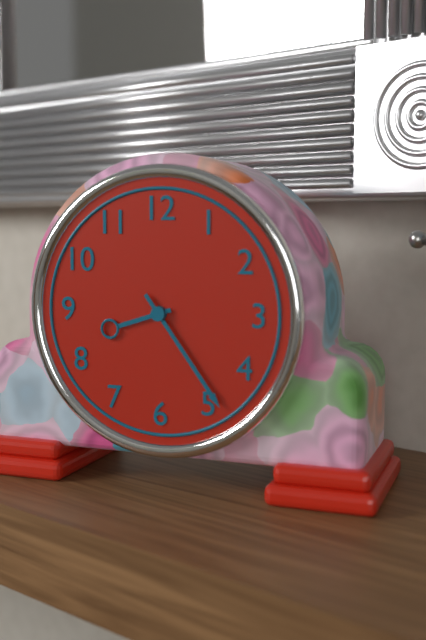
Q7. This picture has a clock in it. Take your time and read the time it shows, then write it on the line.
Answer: 8:24
